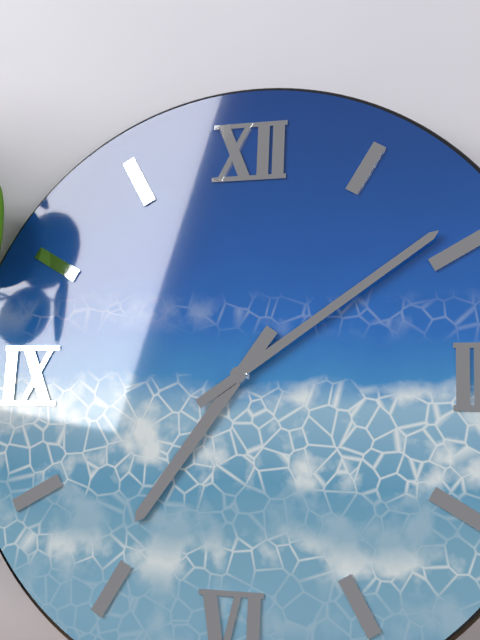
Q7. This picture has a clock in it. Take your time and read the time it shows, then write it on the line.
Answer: 7:09
